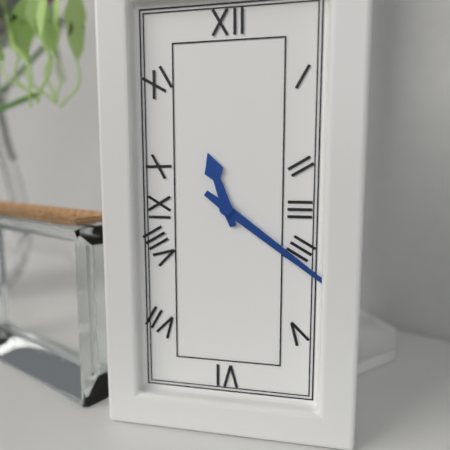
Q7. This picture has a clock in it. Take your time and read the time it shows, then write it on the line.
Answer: 11:21
